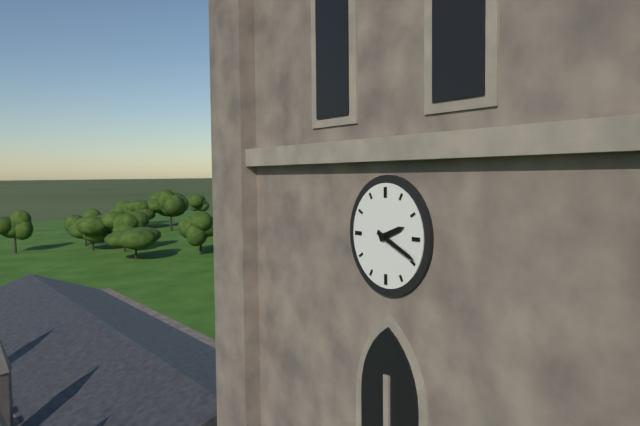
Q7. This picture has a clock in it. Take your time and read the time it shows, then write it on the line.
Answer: 2:19
